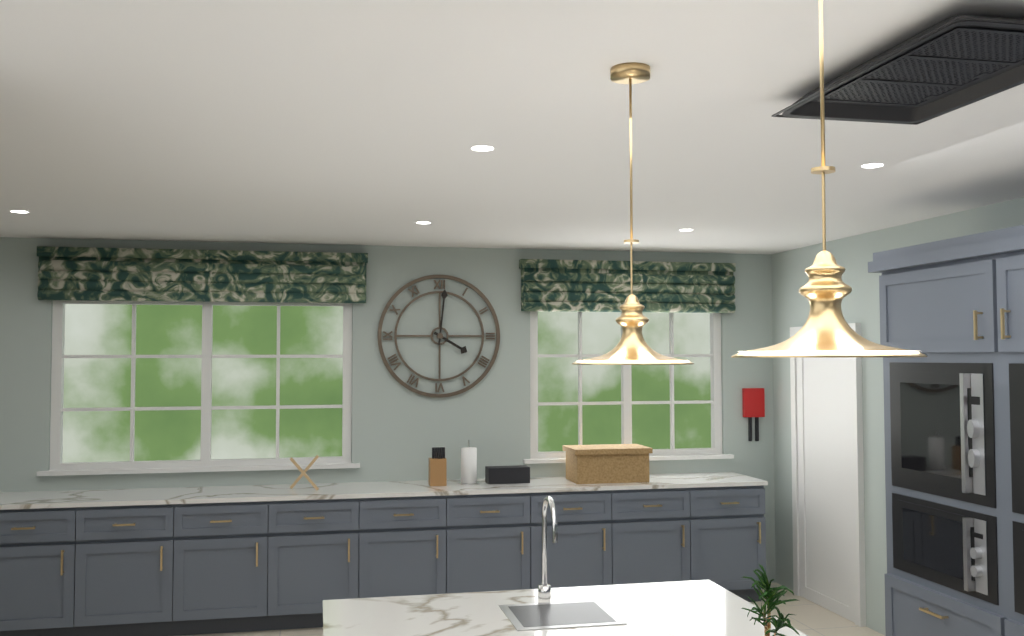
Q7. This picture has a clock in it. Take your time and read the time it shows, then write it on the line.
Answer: 4:01
